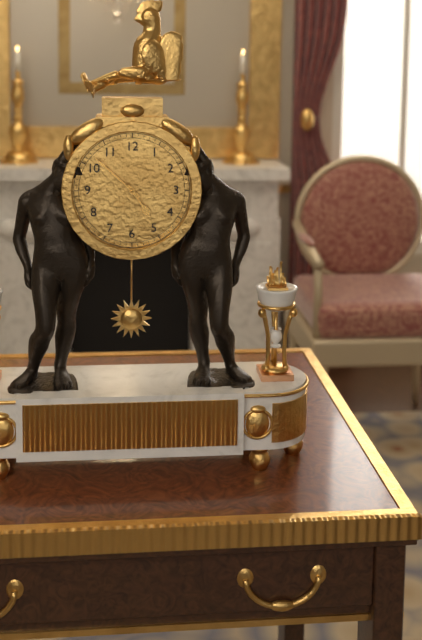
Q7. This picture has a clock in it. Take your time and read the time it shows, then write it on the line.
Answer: 4:52
